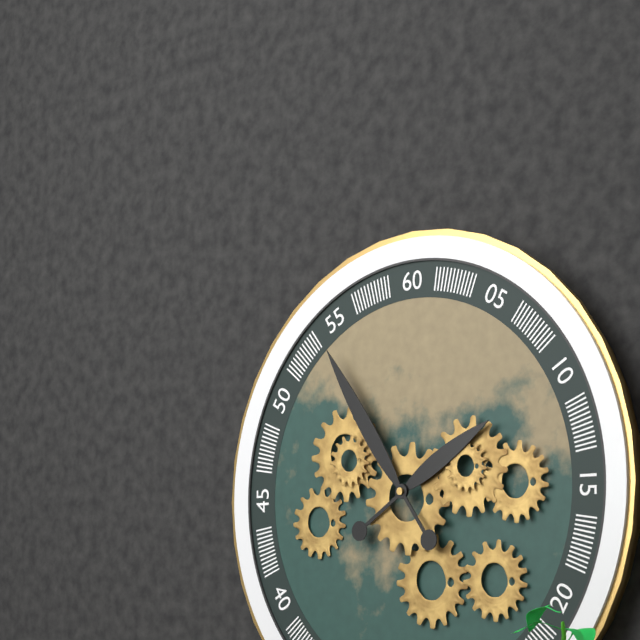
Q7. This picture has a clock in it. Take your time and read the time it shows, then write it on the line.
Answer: 1:54
